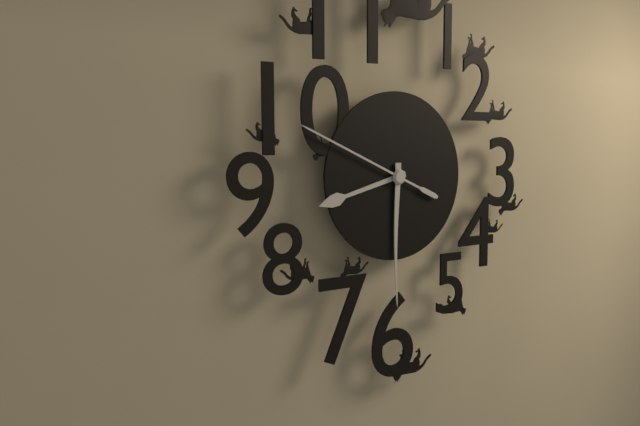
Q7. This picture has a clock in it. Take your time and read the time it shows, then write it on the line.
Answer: 8:30:49
